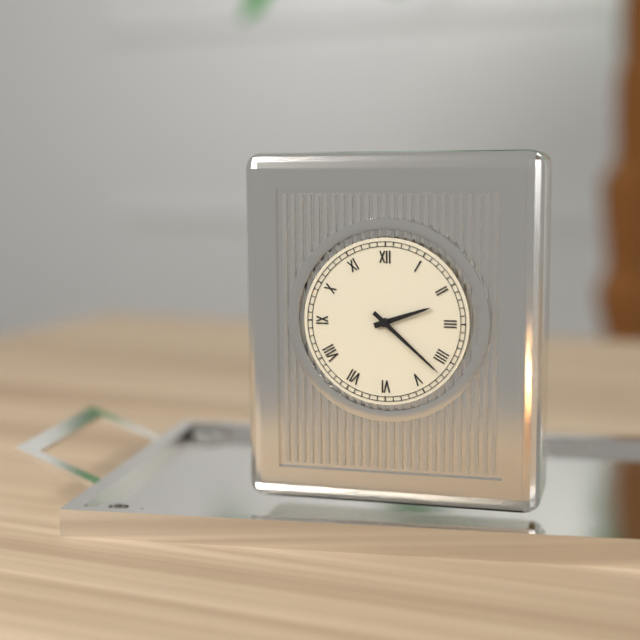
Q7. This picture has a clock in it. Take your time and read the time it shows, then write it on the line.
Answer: 2:22
